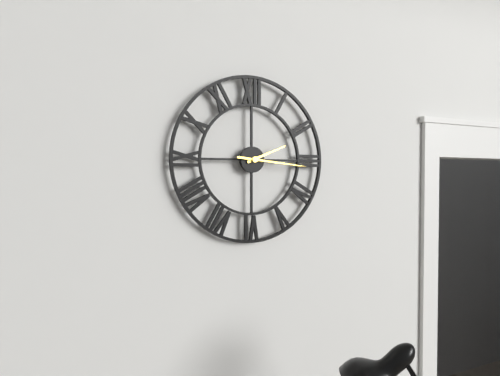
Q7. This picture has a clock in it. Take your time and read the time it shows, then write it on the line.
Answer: 2:16
